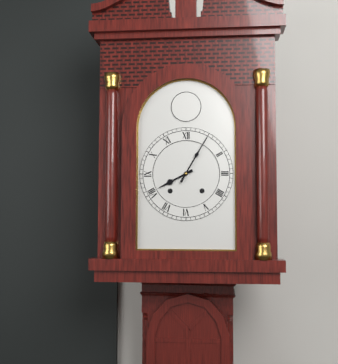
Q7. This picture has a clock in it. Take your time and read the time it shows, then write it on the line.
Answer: 8:05
